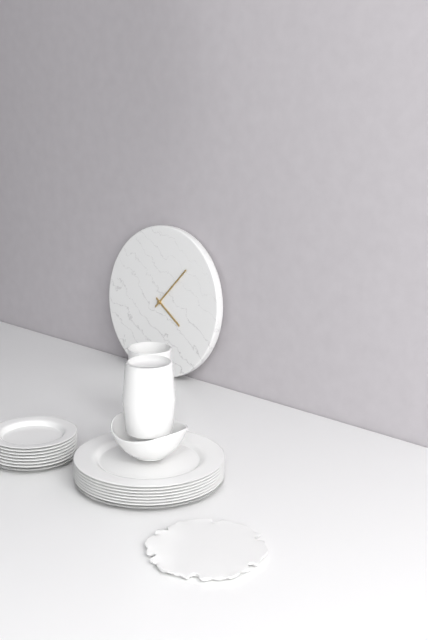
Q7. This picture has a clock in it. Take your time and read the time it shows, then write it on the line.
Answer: 4:07
